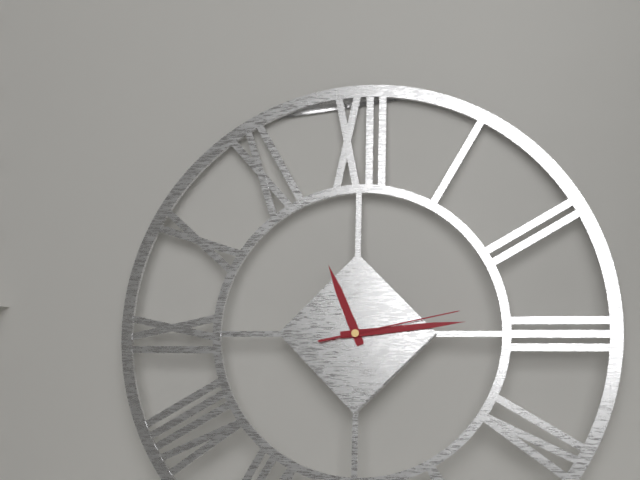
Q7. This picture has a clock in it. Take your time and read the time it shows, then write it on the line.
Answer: 11:14:13
